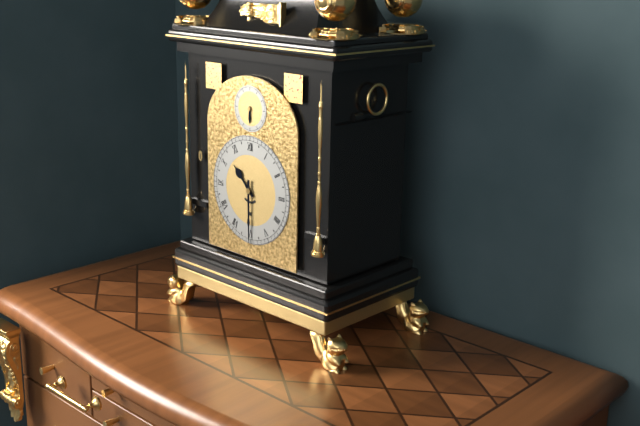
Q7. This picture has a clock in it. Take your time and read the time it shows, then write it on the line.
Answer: 10:30
